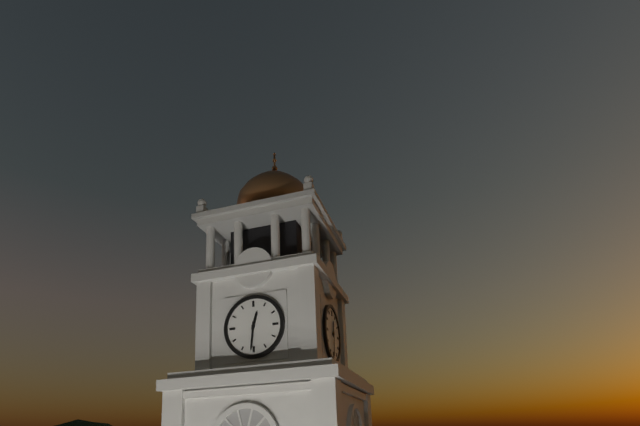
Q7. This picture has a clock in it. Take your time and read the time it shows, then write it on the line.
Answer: 12:31
